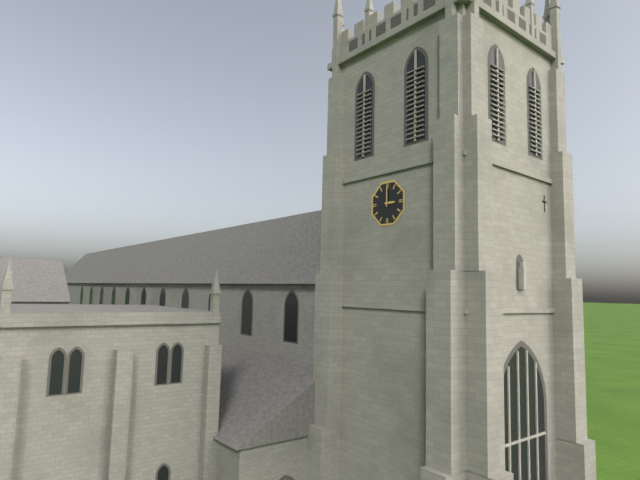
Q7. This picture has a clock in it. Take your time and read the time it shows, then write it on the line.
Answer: 3:00
